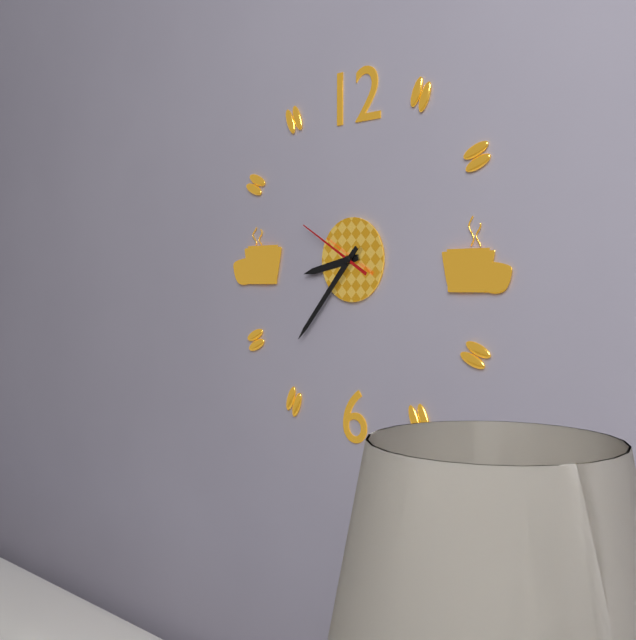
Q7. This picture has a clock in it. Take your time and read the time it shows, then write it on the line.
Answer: 8:37:50
